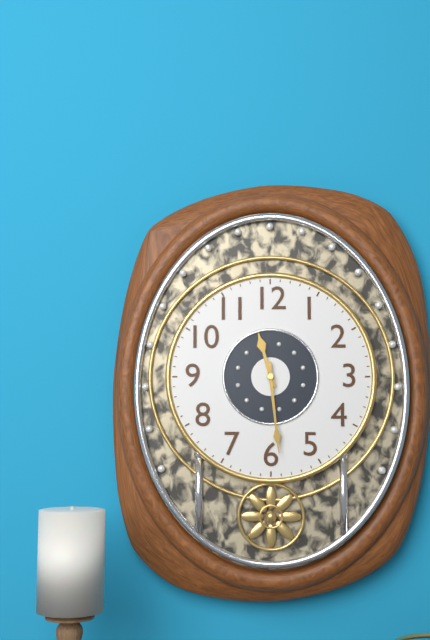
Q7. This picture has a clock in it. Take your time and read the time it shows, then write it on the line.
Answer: 11:29
